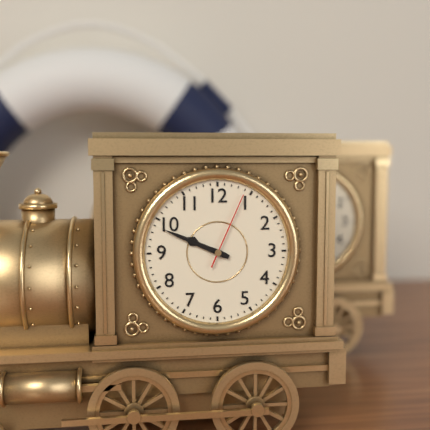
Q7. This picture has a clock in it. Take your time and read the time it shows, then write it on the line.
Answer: 9:49:04
